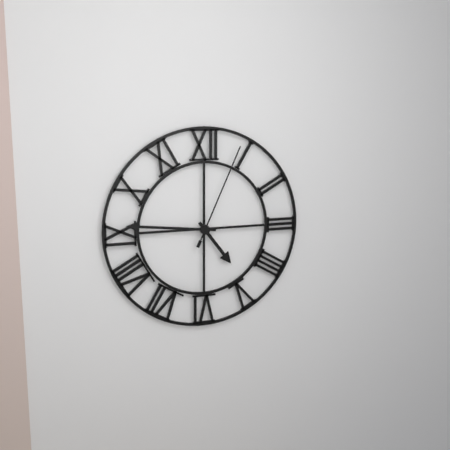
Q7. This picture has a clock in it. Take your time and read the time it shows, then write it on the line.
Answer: 4:46:04
